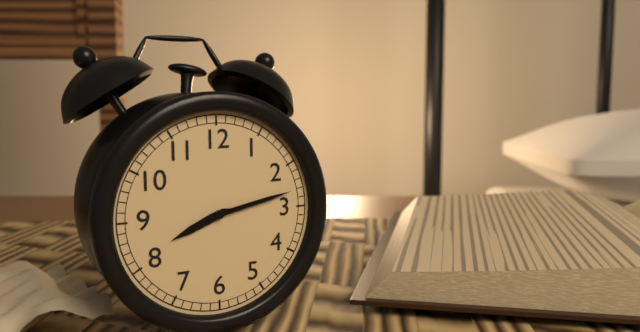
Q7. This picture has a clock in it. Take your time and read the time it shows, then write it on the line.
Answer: 8:13
